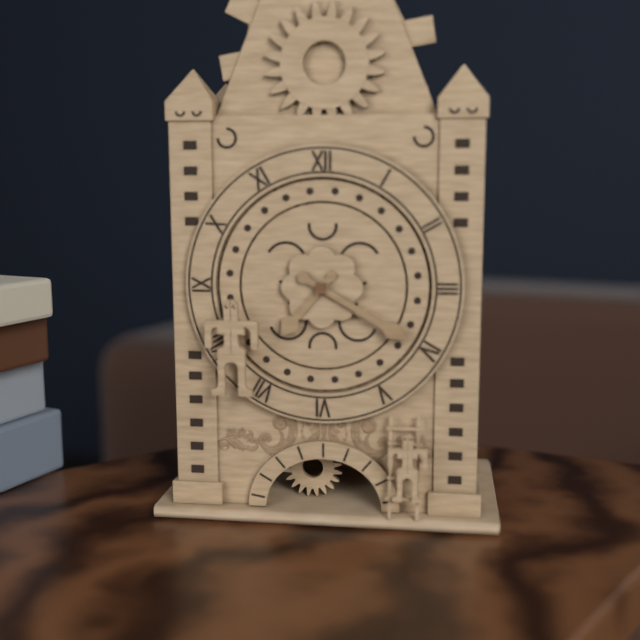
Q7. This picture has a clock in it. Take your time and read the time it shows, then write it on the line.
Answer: 7:20
